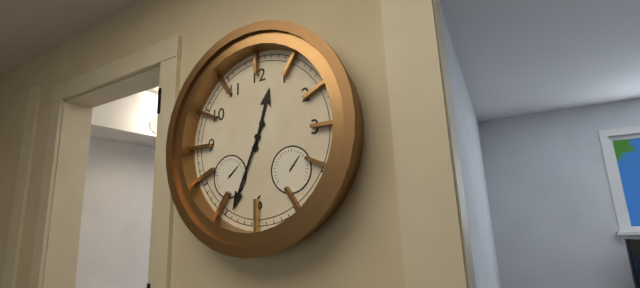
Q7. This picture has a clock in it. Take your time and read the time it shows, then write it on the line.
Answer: 12:34
